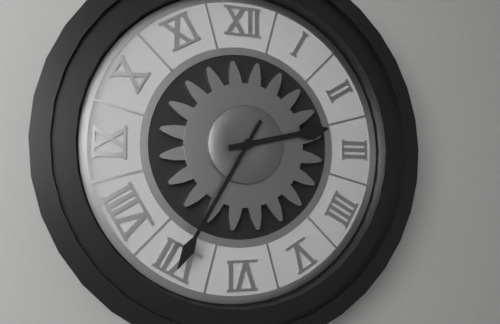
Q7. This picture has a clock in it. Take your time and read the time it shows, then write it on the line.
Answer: 2:35
